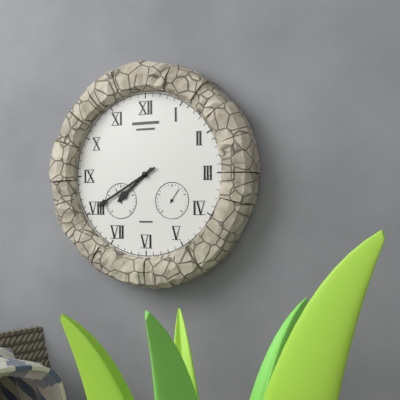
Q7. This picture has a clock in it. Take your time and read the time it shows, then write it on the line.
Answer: 7:40
